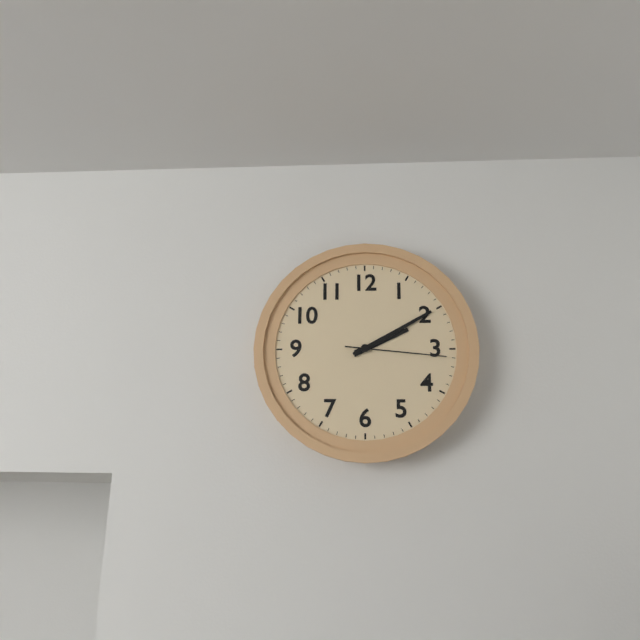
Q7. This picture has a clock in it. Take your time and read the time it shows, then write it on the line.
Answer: 2:10:16
